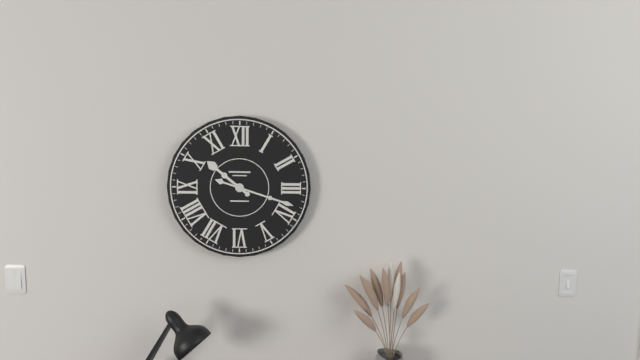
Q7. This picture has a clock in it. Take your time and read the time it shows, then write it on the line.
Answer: 10:18
